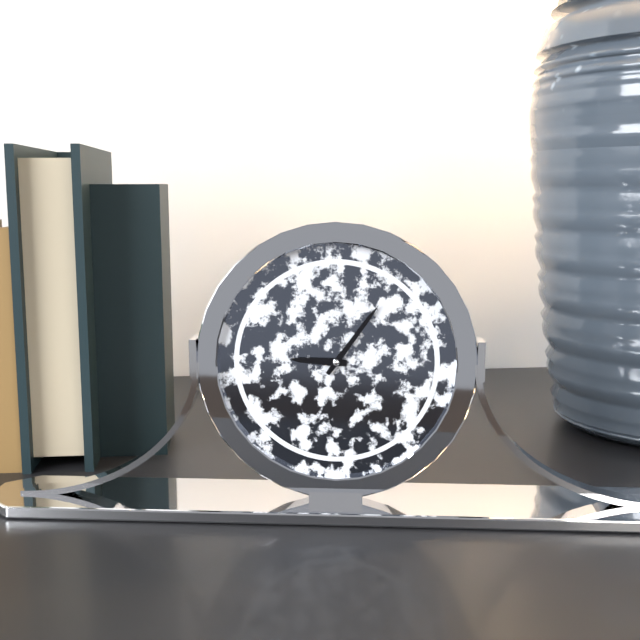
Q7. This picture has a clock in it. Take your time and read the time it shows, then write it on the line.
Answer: 9:06
